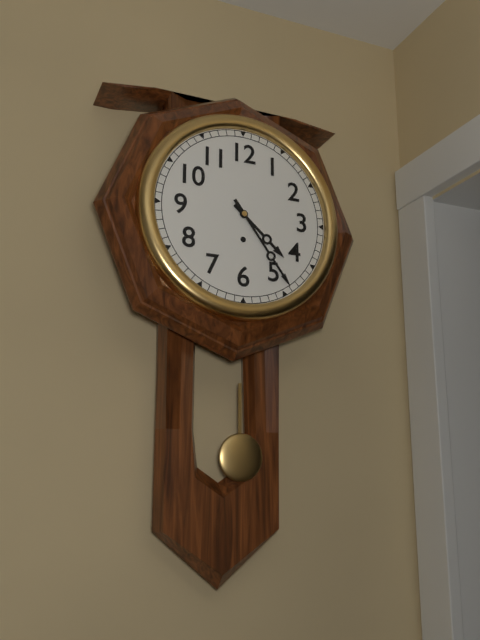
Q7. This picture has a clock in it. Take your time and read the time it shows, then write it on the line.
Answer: 4:24
